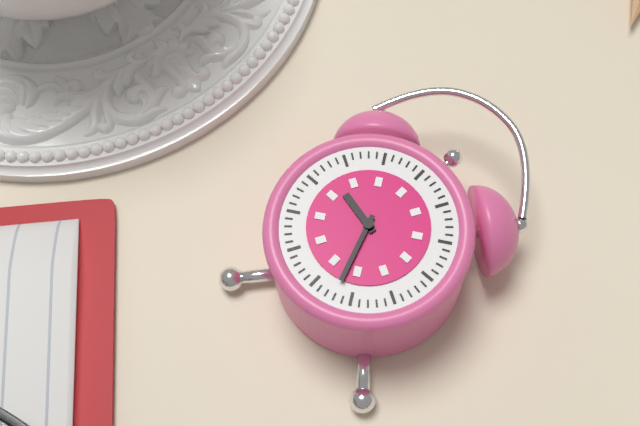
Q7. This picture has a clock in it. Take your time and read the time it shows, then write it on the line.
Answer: 9:27
